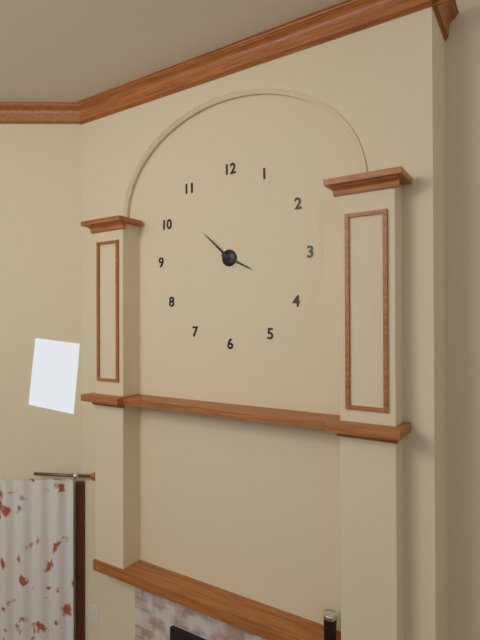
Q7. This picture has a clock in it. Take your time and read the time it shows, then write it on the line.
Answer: 3:52
